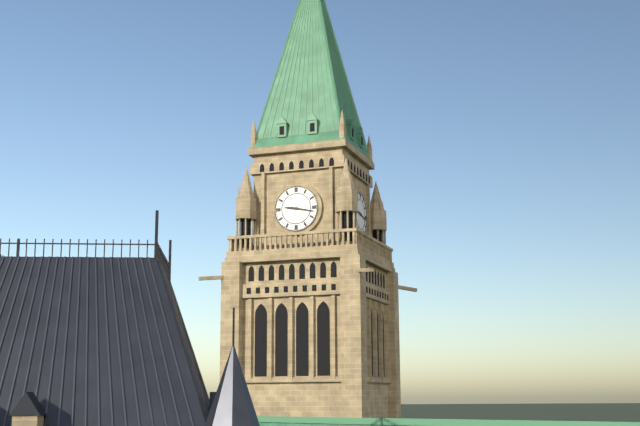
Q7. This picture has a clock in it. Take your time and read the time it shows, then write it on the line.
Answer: 9:17
